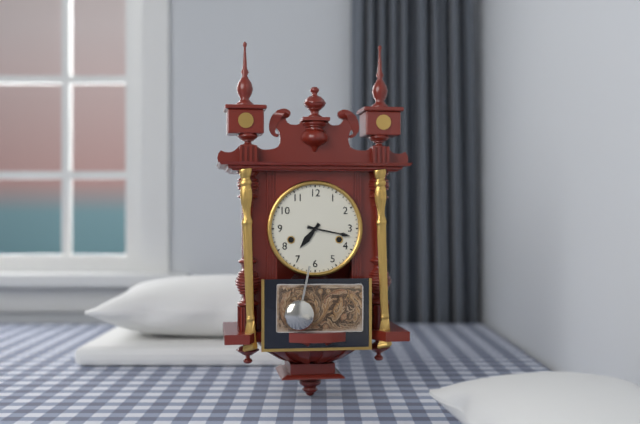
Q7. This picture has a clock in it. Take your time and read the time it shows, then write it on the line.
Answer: 7:17
